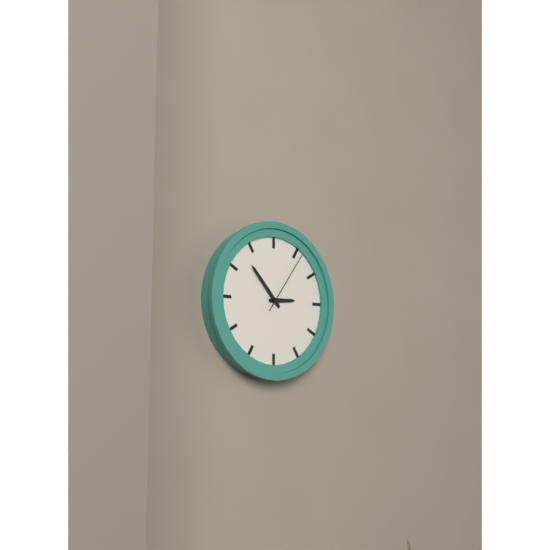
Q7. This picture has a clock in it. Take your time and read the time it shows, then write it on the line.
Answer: 2:53:06
